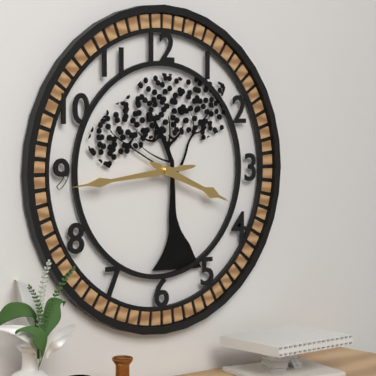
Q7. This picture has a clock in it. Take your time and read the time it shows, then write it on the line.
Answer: 3:44
